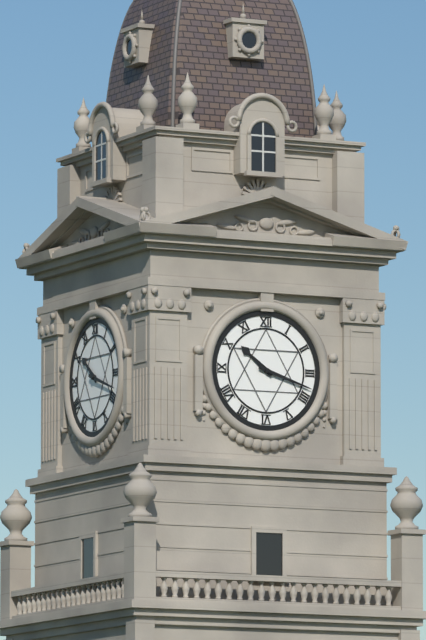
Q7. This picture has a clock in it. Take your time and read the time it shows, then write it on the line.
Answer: 10:18
